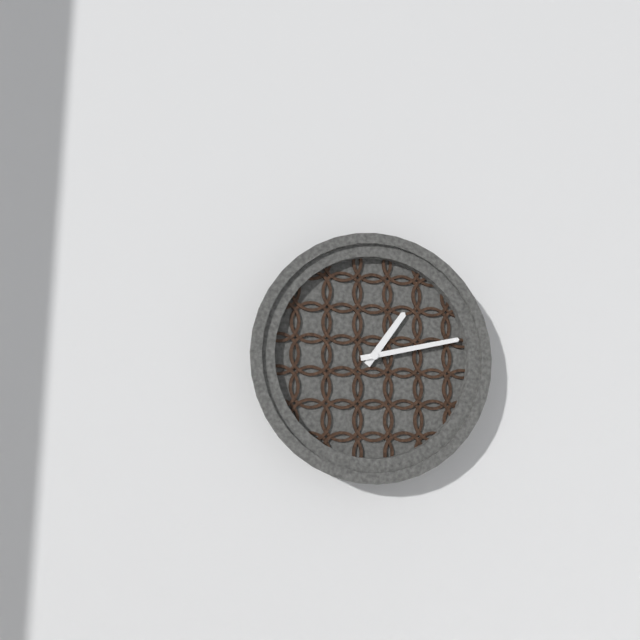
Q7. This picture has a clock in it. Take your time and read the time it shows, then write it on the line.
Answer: 1:13
